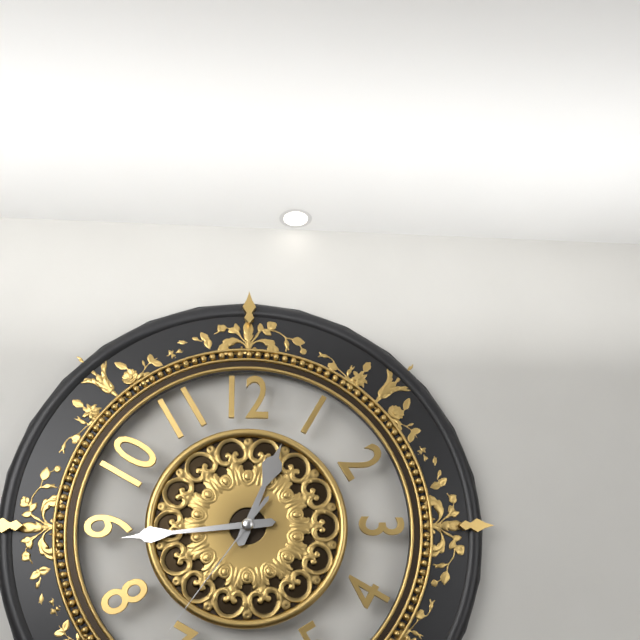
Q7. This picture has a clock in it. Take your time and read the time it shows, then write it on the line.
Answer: 12:44:36
